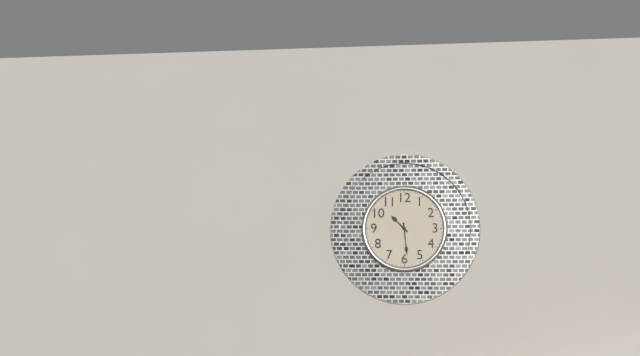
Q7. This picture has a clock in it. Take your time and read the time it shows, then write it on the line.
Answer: 10:29
